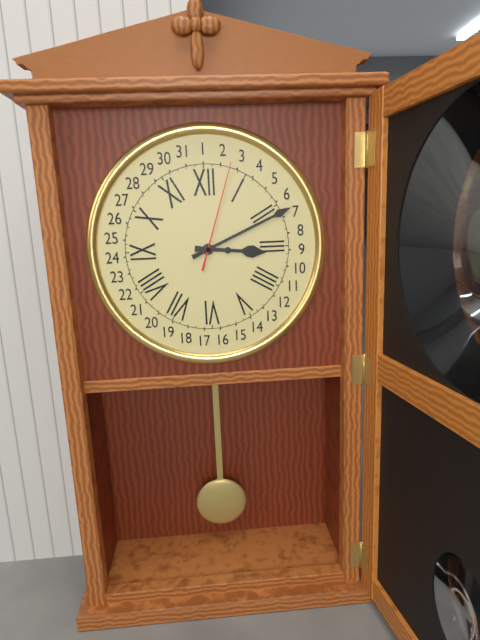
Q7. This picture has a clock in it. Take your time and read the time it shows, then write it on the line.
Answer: 3:11:03
